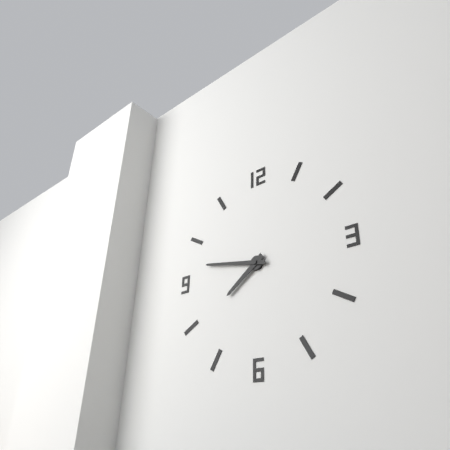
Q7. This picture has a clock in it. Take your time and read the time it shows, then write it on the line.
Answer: 7:47
